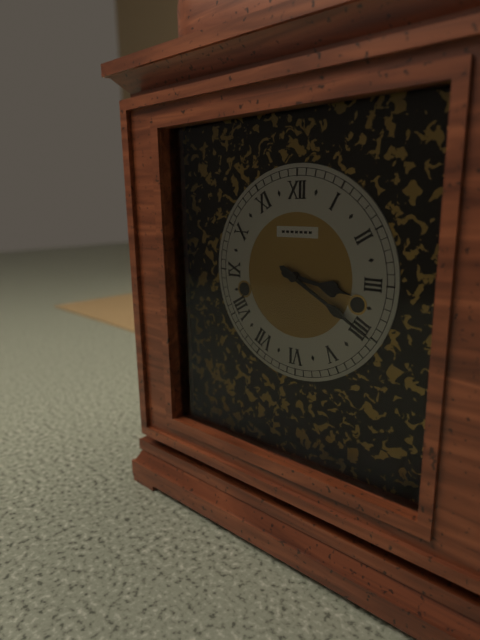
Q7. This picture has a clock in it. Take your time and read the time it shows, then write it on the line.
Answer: 3:20
